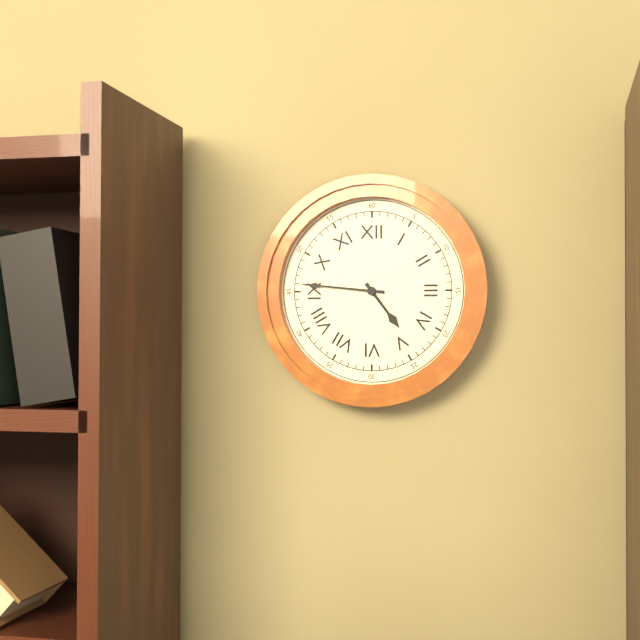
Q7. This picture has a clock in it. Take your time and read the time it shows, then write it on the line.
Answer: 4:46
